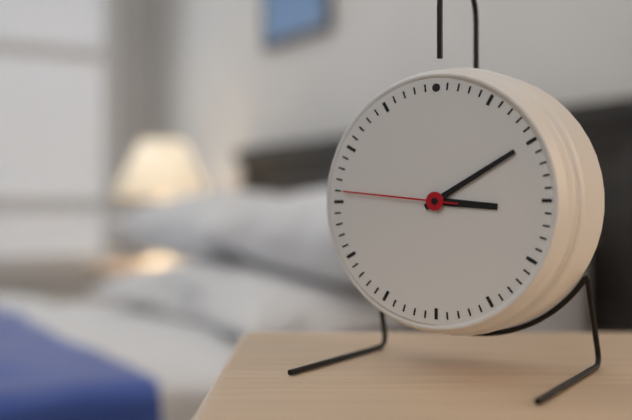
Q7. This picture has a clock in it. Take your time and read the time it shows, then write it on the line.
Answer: 3:10:46
